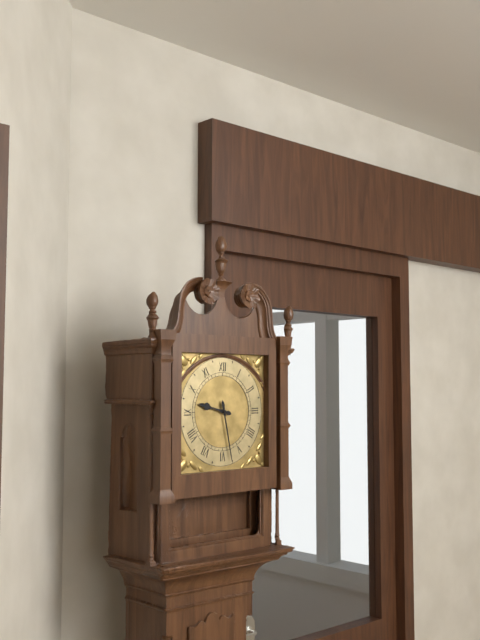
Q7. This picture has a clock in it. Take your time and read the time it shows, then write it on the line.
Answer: 9:28
